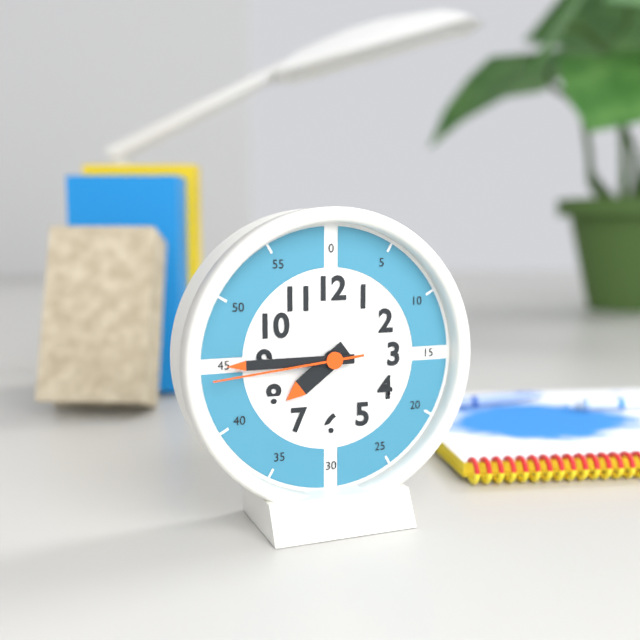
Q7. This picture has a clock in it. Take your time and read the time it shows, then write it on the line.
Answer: 7:45:44
